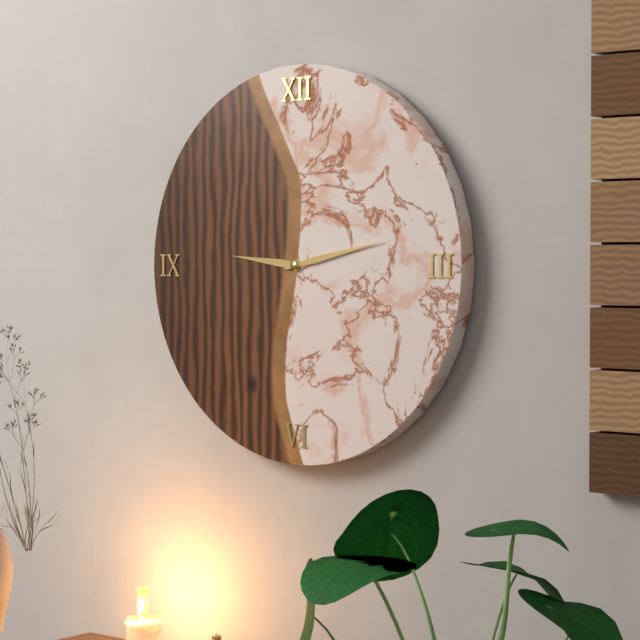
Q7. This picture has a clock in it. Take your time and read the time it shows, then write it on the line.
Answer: 9:13
